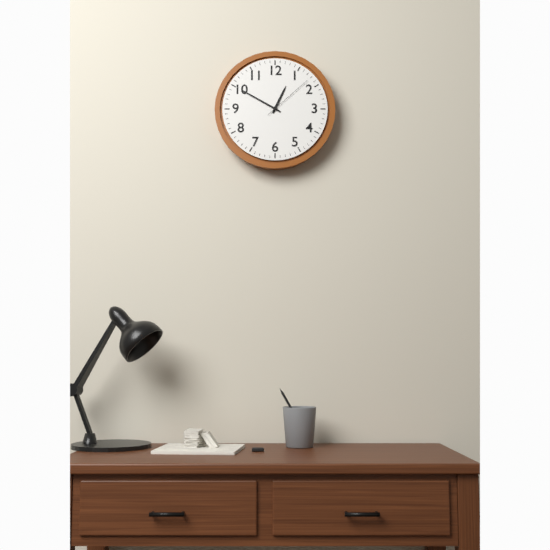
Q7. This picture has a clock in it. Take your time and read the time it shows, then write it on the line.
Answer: 12:50:08
